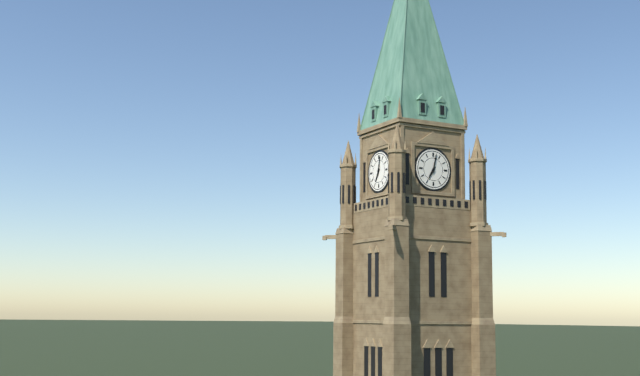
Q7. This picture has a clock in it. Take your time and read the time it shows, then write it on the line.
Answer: 7:02
